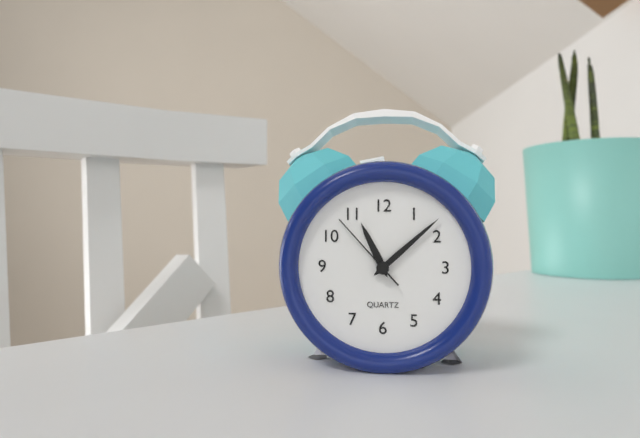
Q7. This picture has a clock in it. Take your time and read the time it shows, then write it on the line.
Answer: 11:08:53
